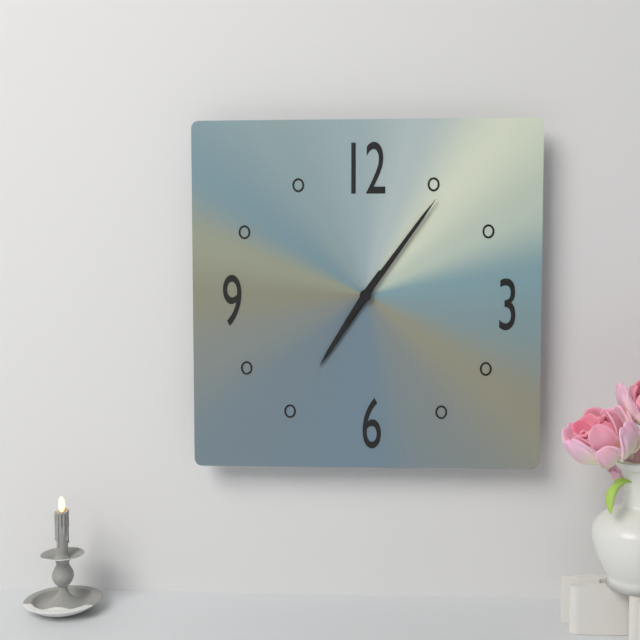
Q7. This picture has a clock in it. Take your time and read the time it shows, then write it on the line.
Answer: 7:06
